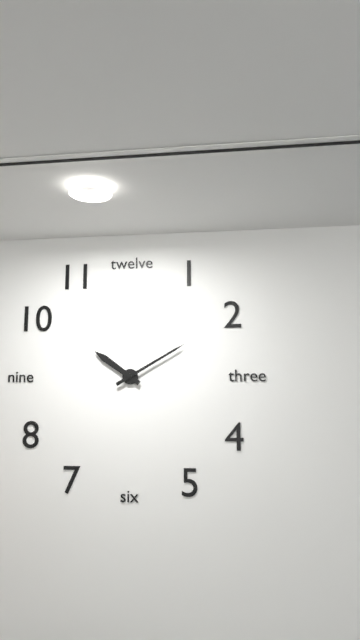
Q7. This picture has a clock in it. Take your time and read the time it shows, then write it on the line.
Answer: 10:10
